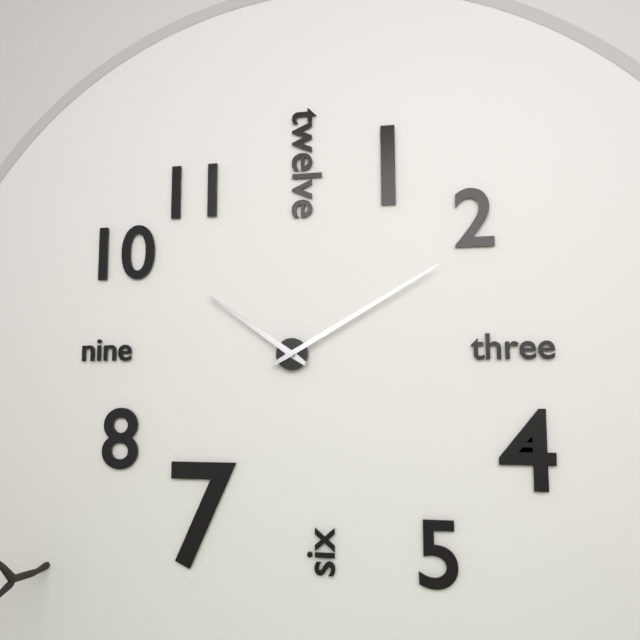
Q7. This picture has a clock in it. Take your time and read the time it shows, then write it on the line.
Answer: 10:10
